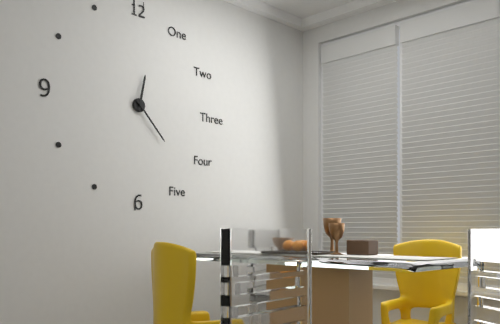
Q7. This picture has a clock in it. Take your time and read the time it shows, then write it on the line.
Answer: 12:23
